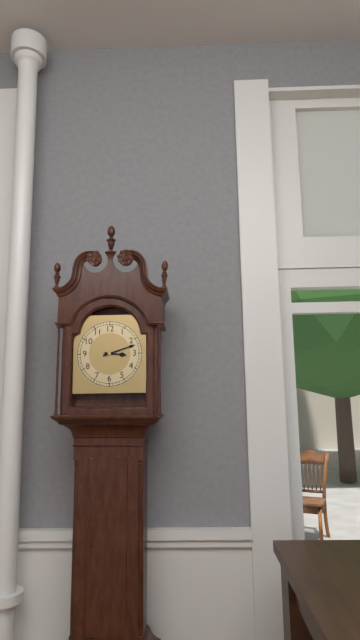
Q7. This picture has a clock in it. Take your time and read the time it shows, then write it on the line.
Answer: 3:12
